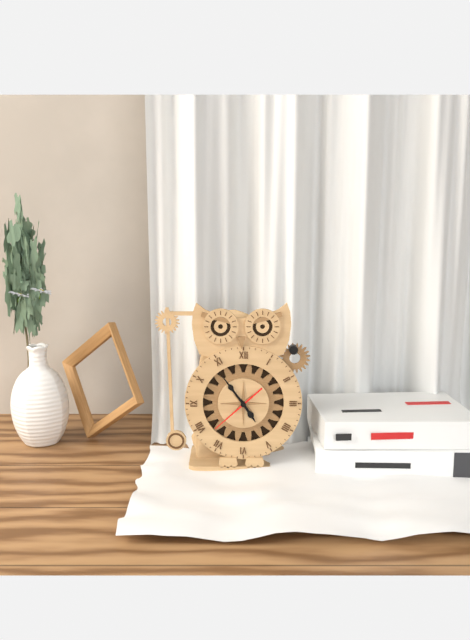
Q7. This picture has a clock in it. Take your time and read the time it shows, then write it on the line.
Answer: 4:54:38
